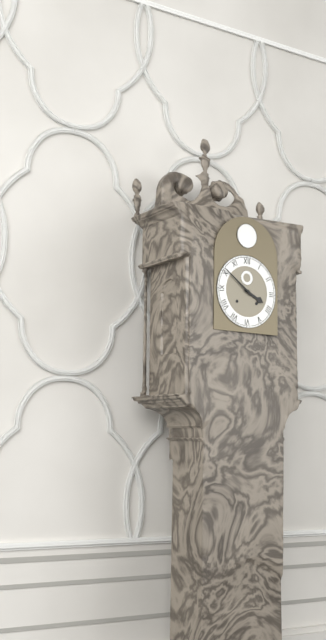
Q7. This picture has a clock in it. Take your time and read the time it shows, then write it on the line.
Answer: 3:51
